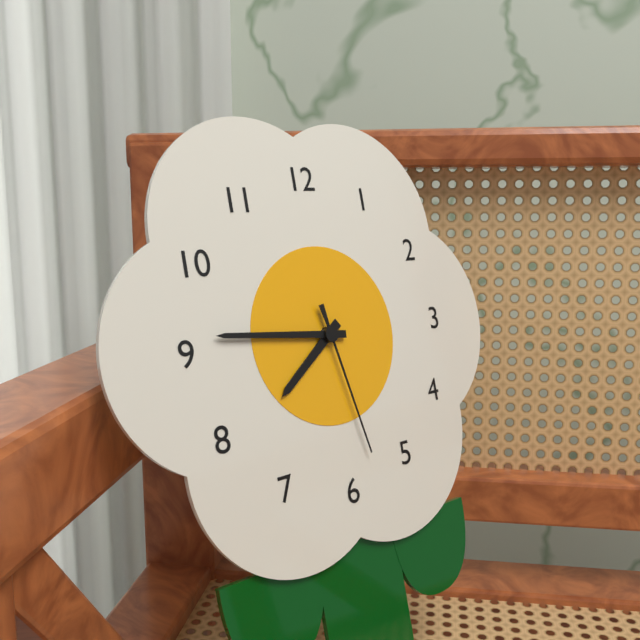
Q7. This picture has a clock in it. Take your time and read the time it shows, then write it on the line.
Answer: 7:46:28
